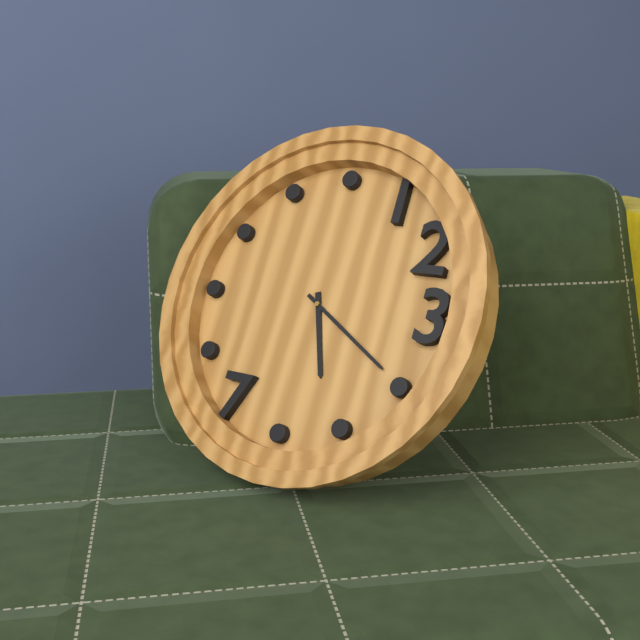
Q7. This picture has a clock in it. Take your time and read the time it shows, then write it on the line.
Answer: 5:20
